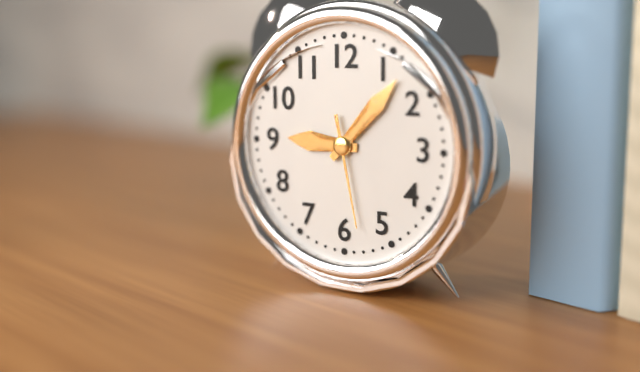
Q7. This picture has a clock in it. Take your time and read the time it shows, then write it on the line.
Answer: 9:07:28
